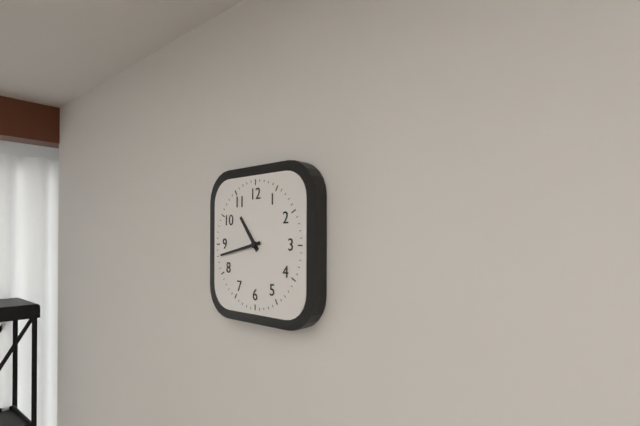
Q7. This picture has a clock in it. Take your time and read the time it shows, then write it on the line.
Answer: 10:43
